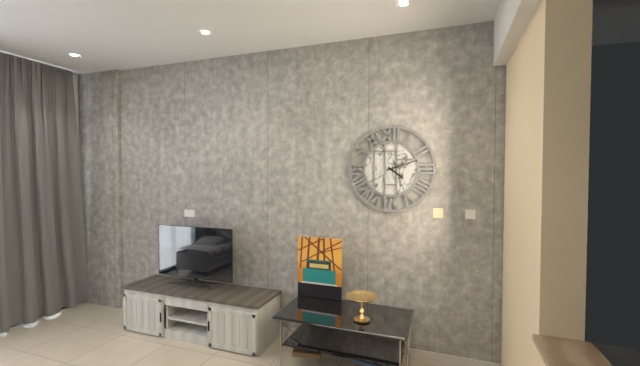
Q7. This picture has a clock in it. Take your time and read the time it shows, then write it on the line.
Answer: 4:12
